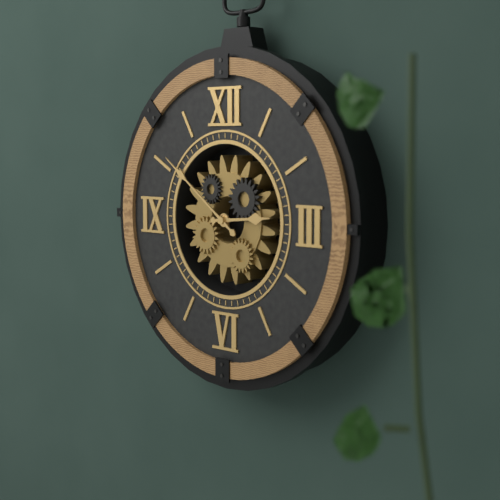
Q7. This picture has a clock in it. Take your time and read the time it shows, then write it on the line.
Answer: 2:51
